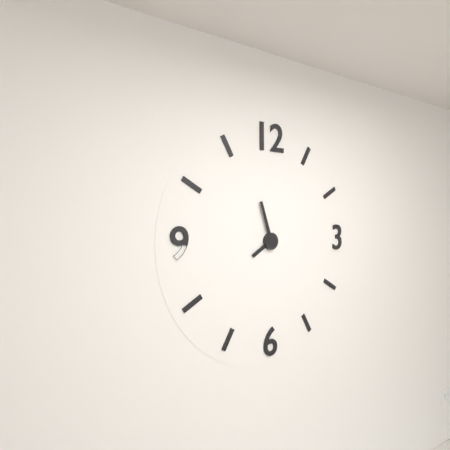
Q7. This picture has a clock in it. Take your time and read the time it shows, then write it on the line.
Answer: 7:57
